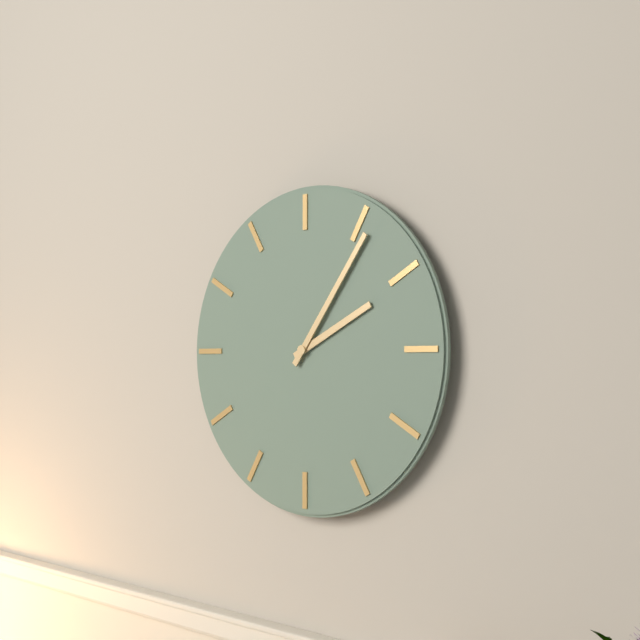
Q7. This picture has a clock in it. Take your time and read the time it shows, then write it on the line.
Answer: 2:06
